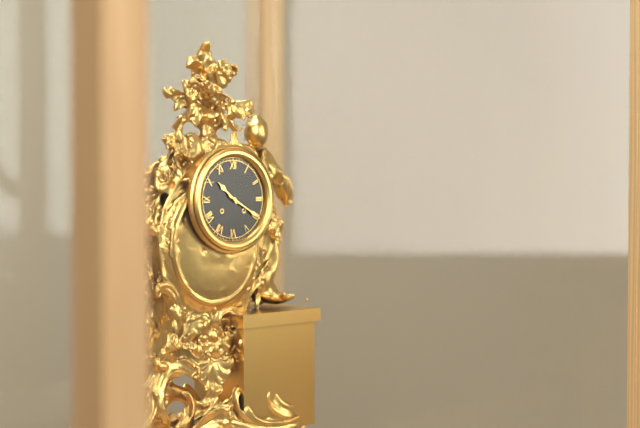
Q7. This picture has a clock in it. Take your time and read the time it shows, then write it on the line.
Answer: 10:20
